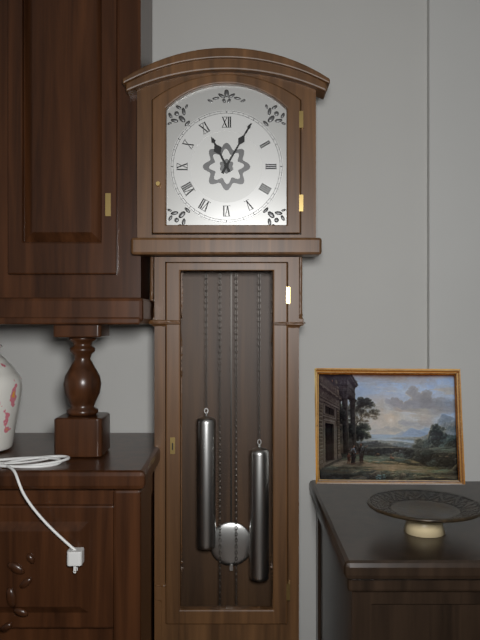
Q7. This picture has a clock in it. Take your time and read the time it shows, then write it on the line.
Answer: 11:05
